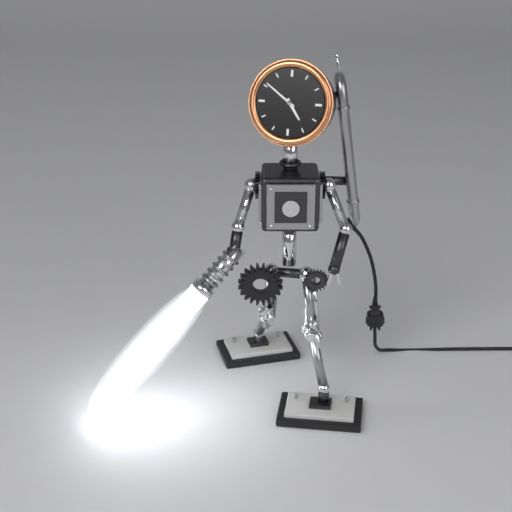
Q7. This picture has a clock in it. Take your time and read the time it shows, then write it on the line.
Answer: 4:51
